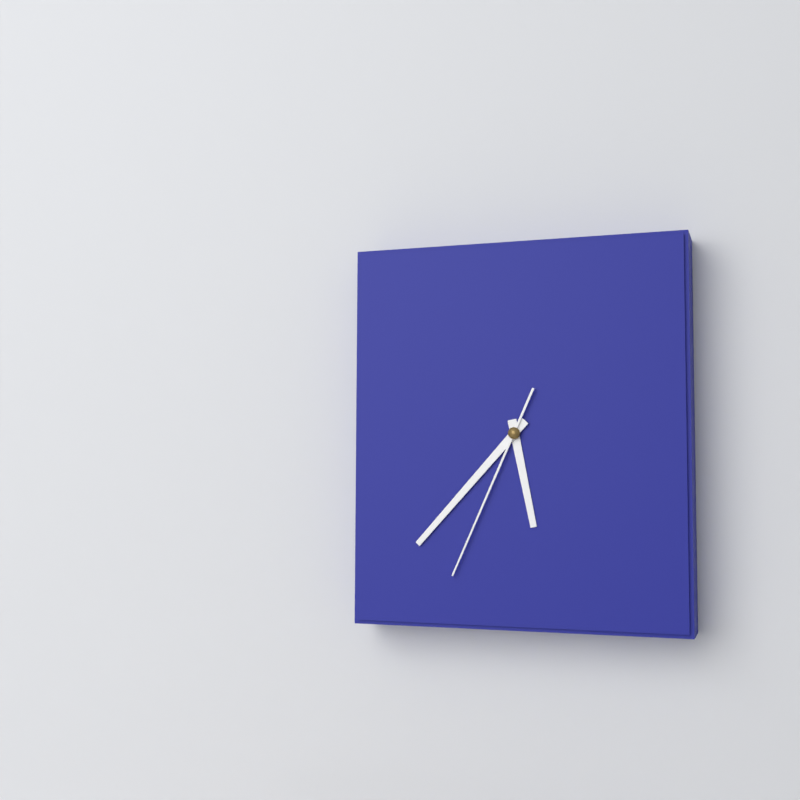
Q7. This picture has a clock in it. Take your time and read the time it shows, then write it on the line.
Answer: 5:37:34
